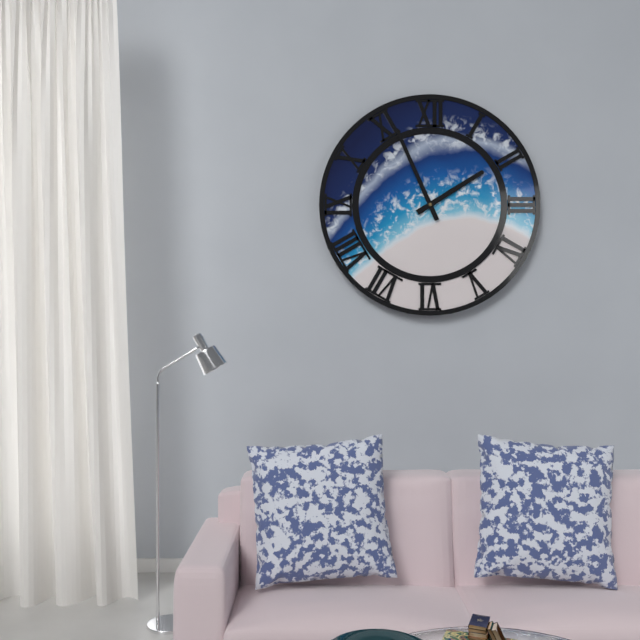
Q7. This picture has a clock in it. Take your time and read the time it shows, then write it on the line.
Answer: 1:56
